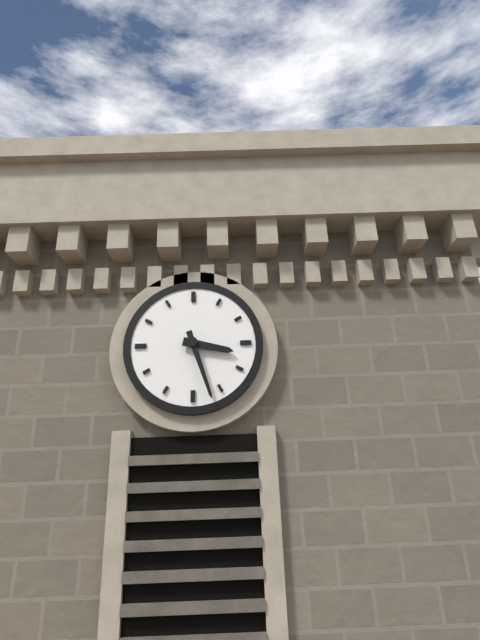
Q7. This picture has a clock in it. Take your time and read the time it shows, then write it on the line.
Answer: 3:27
